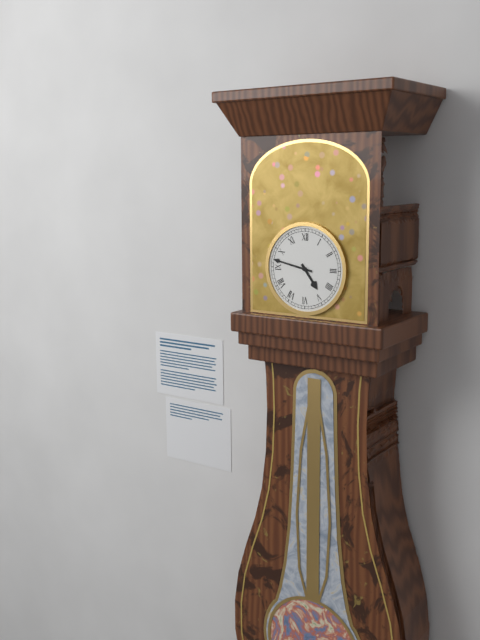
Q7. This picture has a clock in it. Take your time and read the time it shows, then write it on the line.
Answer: 4:47
